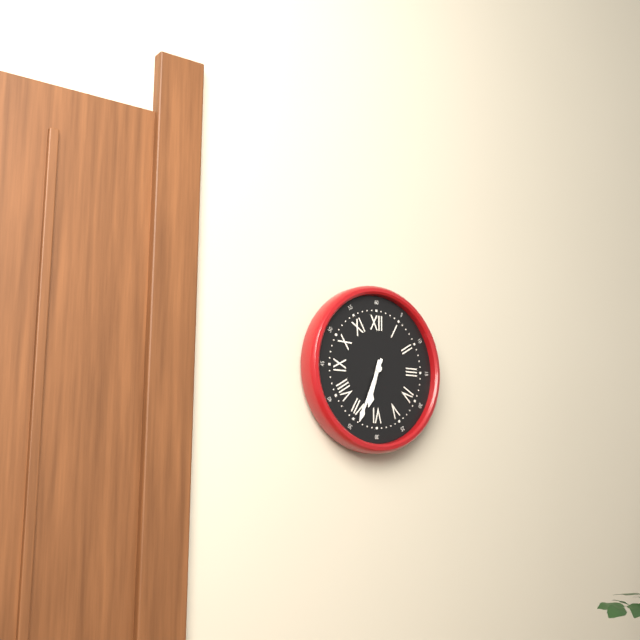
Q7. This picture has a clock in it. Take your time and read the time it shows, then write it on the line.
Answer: 6:34
